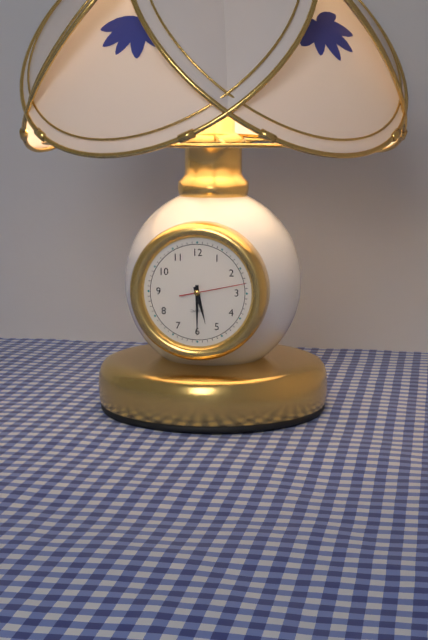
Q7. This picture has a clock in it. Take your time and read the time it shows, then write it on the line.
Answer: 5:30:13
